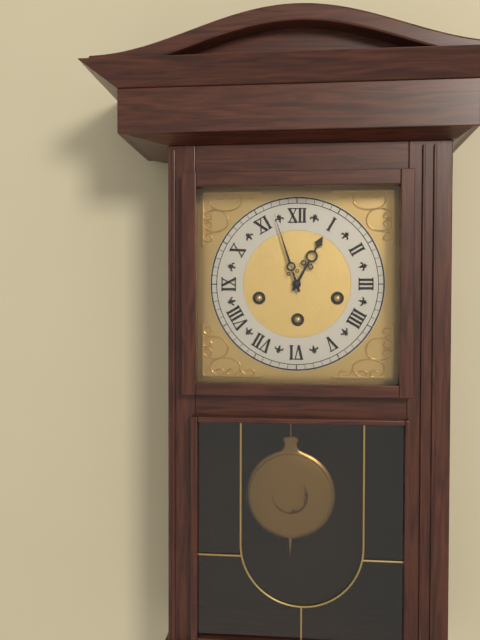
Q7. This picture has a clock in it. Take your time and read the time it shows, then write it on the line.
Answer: 12:57
